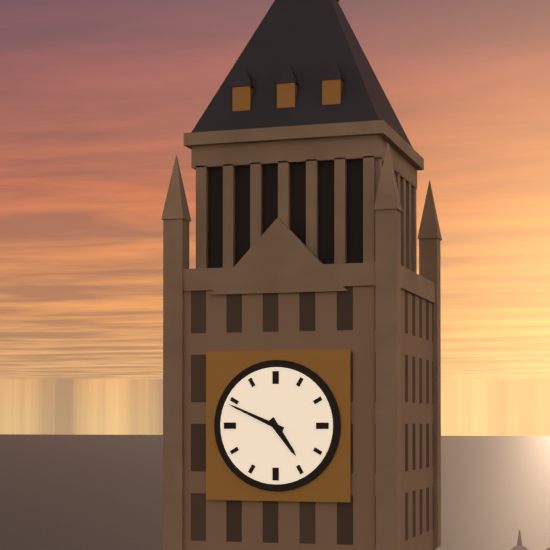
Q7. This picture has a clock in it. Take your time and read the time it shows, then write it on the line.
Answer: 4:49
